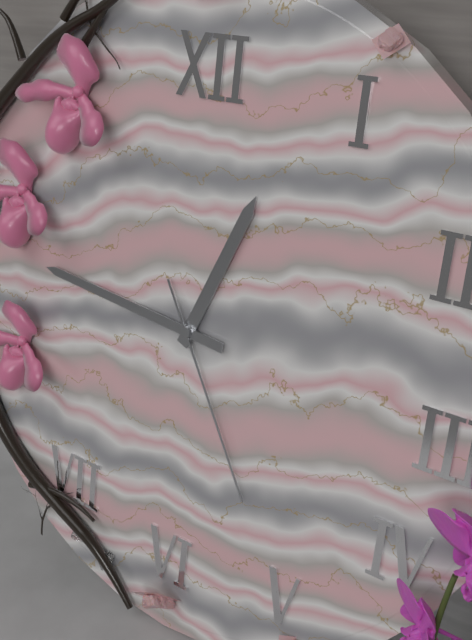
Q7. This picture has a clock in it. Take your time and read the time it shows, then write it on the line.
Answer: 12:46:25
